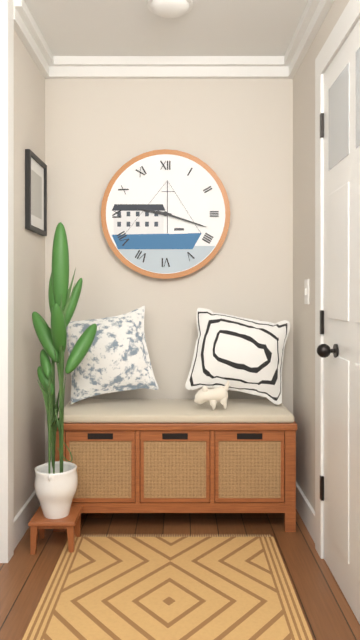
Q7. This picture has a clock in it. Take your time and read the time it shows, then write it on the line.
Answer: 9:18
